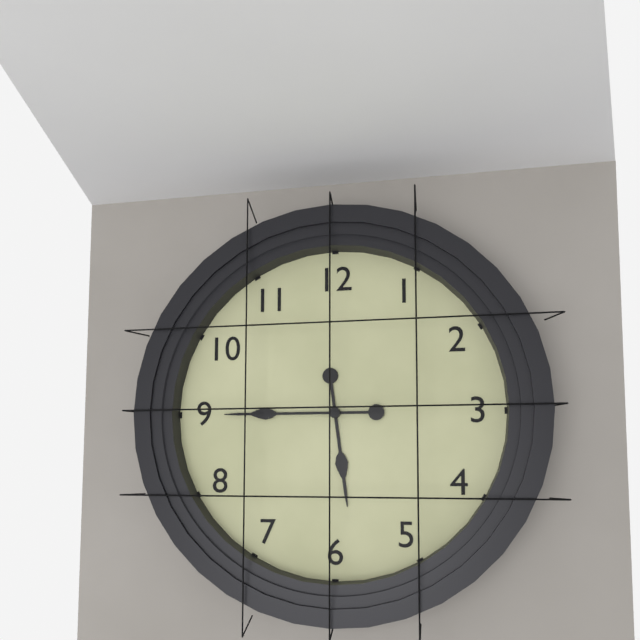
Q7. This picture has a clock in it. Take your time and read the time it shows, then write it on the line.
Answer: 5:45
